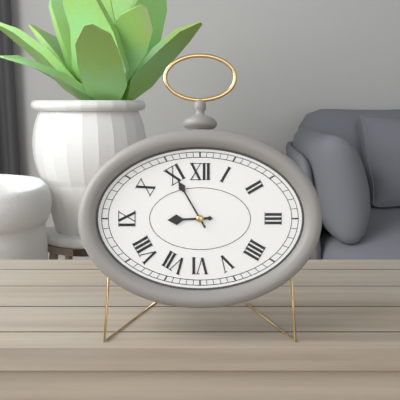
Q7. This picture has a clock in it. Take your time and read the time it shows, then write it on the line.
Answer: 8:55
